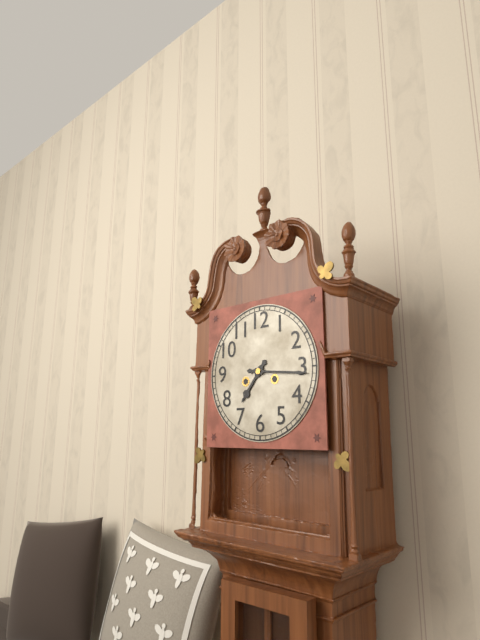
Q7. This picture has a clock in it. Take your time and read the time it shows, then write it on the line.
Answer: 7:16
